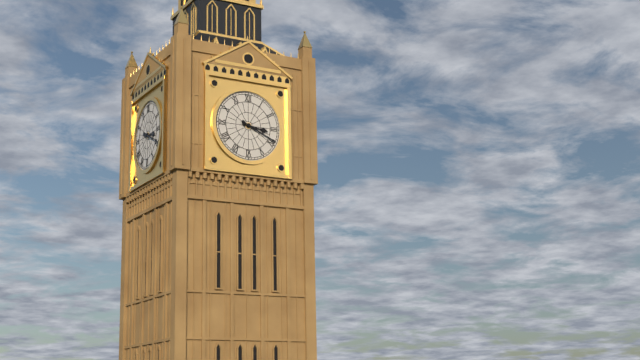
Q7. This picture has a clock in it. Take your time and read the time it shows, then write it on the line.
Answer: 3:19
